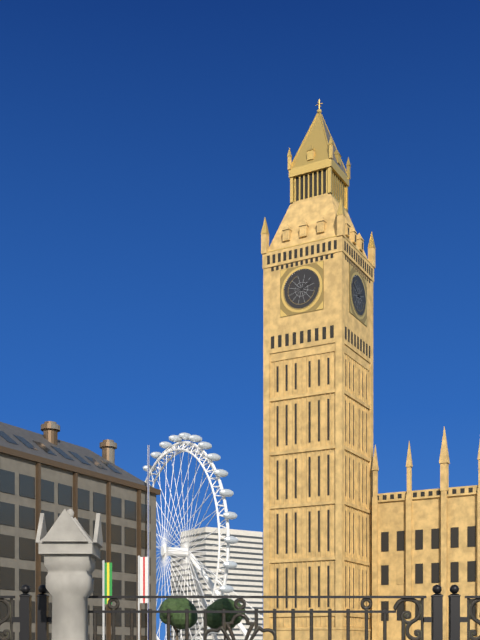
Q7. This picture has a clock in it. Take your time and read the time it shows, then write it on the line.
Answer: 1:50
